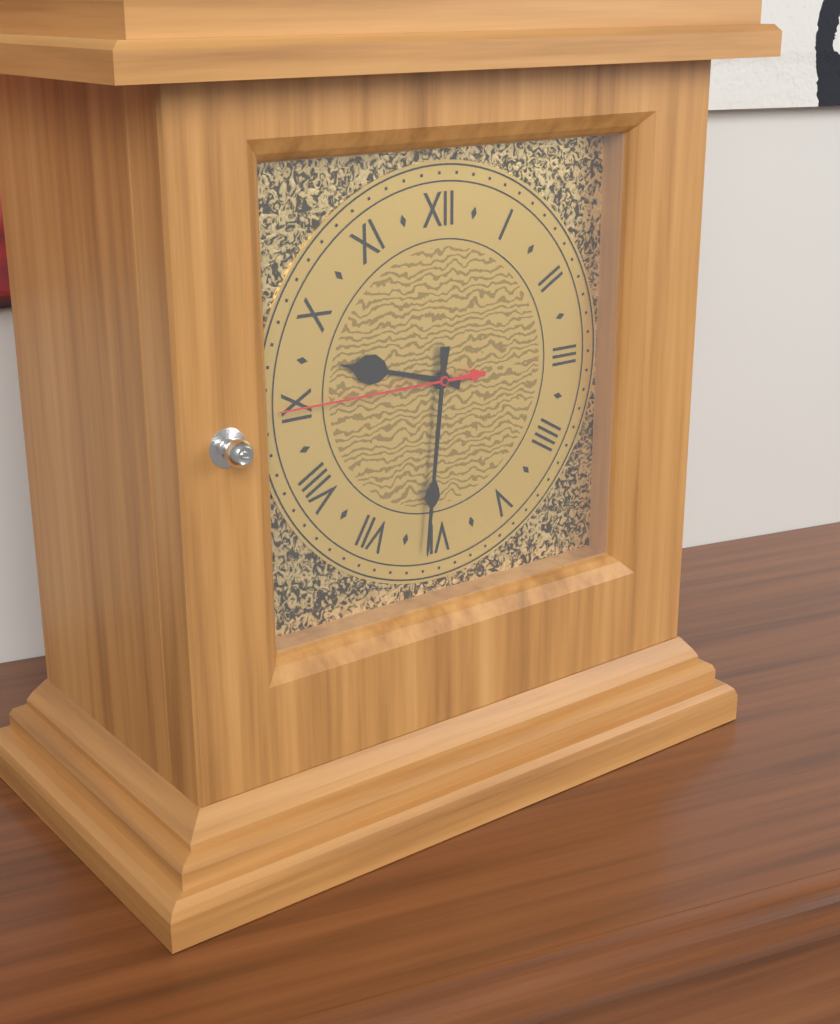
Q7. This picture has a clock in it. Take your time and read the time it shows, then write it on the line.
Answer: 9:31:45
